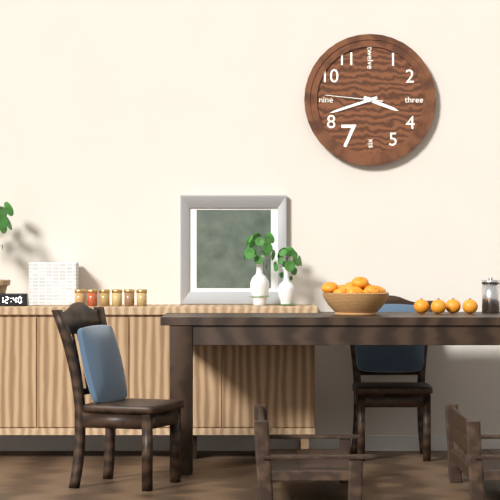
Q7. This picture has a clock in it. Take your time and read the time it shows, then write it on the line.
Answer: 3:42:46
